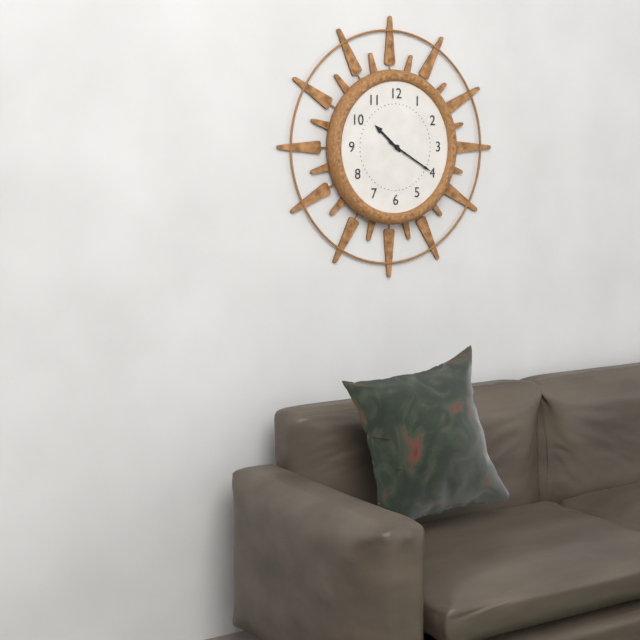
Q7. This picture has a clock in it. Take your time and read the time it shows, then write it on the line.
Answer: 10:20
